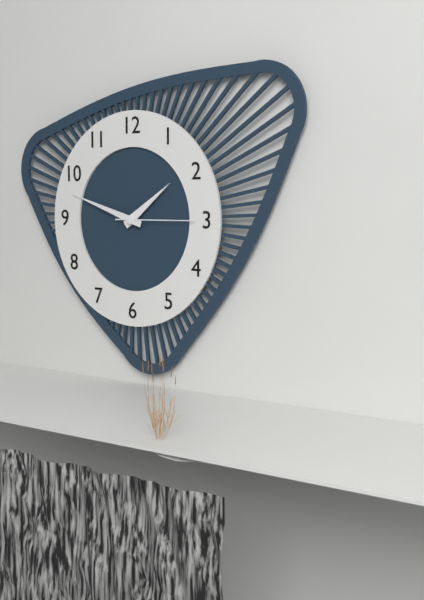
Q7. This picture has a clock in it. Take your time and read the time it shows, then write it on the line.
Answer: 1:48:15
